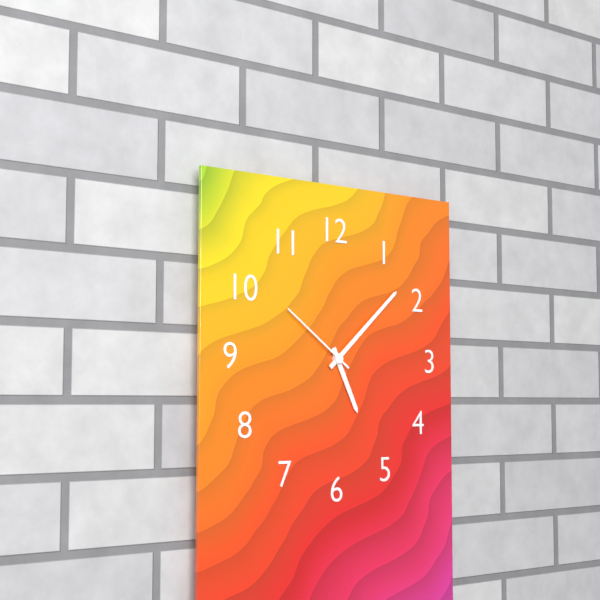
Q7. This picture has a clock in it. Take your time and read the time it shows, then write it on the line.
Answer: 5:08:51
